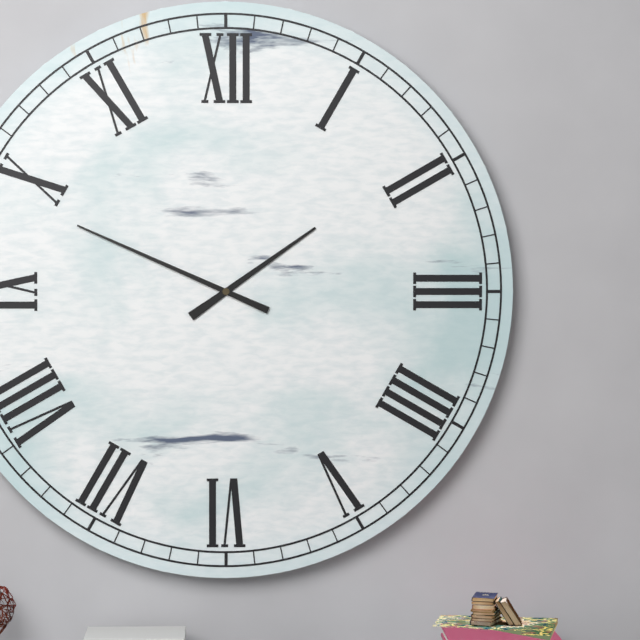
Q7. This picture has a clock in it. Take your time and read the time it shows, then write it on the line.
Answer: 1:49
